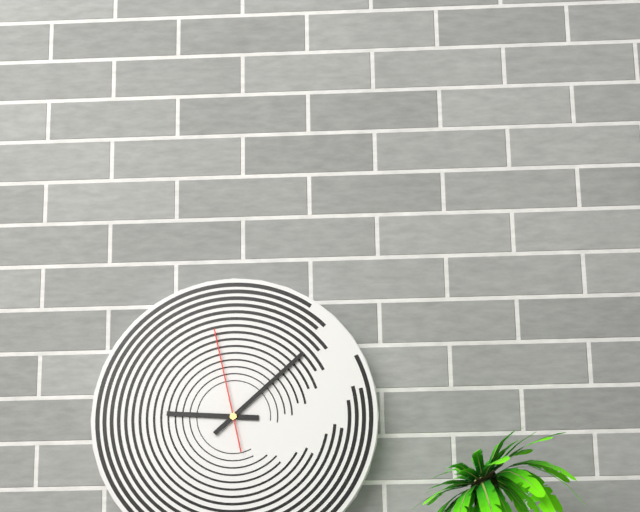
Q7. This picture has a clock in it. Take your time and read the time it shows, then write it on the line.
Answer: 9:08:58
